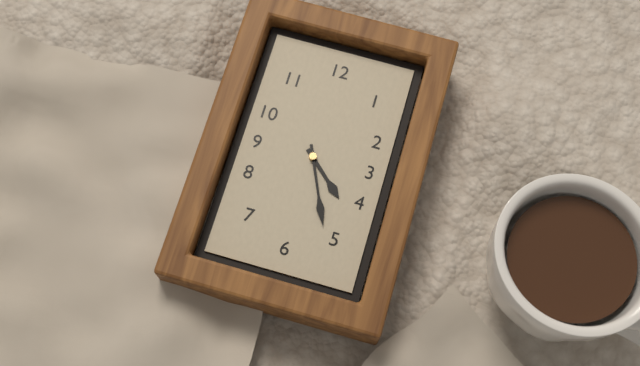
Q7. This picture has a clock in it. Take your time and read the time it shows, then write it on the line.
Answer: 4:26
